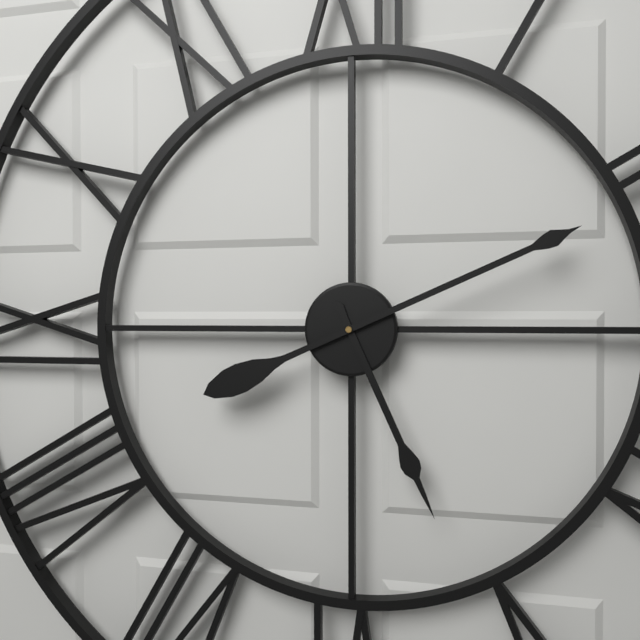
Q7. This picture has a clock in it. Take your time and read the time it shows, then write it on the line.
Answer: 5:11
